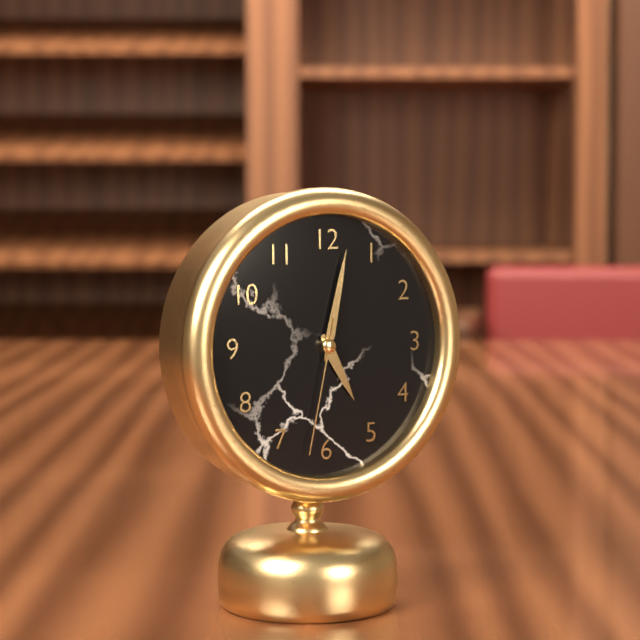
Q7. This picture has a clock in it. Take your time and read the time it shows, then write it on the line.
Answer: 5:02:32
